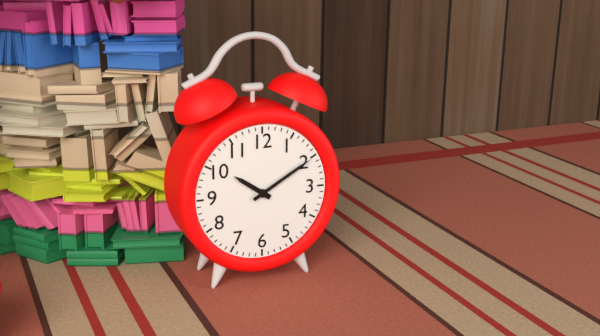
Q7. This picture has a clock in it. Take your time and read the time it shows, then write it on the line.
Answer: 10:10
